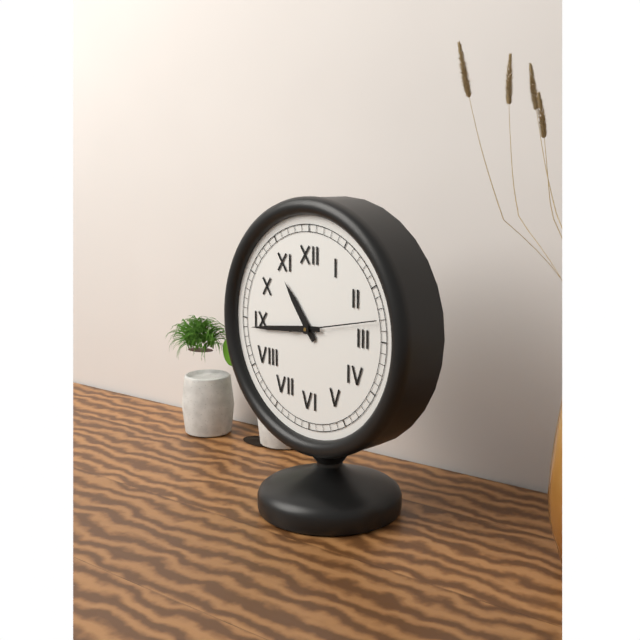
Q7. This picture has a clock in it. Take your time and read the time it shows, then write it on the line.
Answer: 10:44:13
